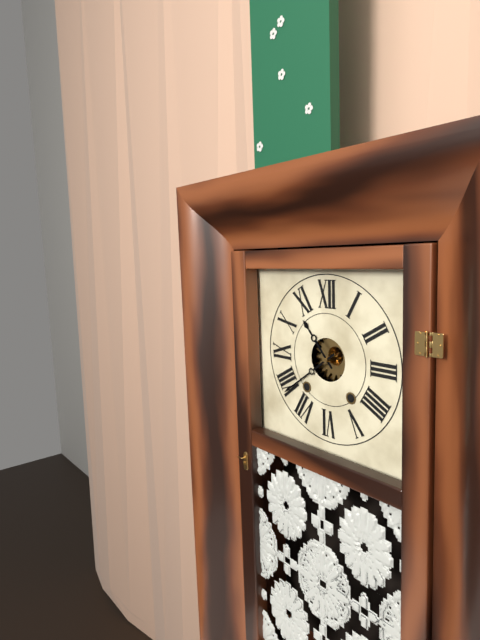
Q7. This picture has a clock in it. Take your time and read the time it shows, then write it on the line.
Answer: 10:39
